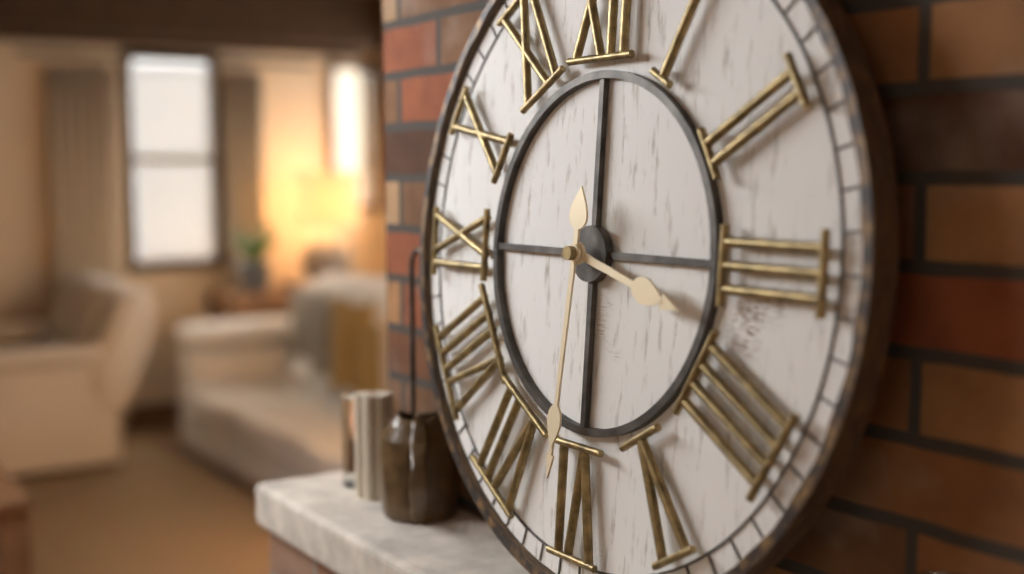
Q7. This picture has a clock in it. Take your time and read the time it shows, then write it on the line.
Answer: 3:31
